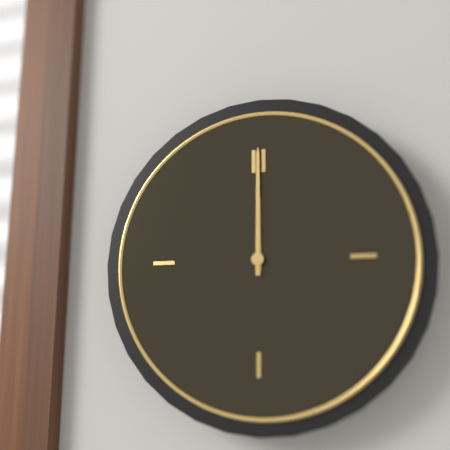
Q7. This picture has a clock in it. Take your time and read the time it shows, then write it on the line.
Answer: 12:00
